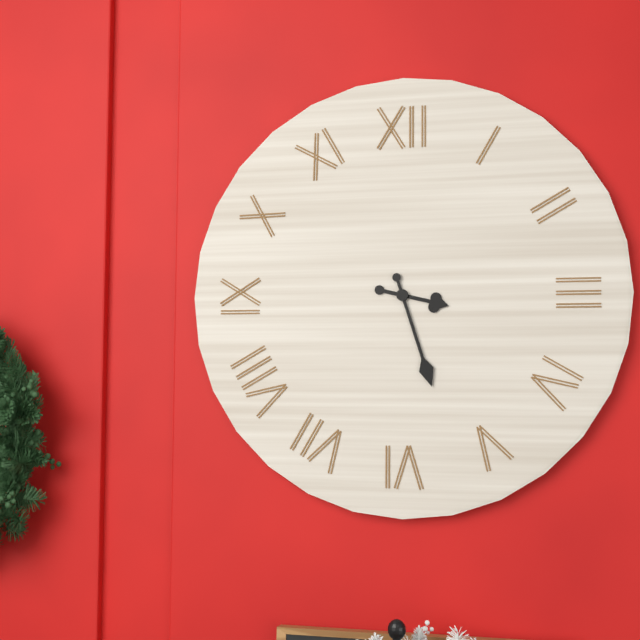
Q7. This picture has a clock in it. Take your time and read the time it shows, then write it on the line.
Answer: 3:27
